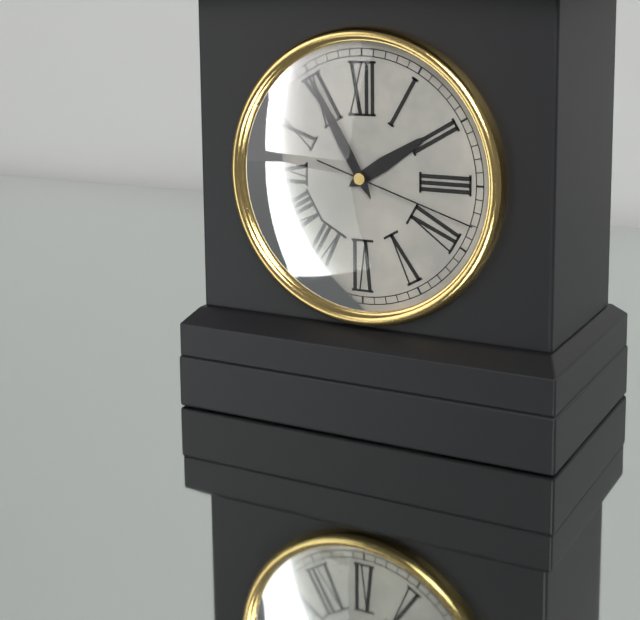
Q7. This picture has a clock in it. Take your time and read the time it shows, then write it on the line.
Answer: 1:55:18
